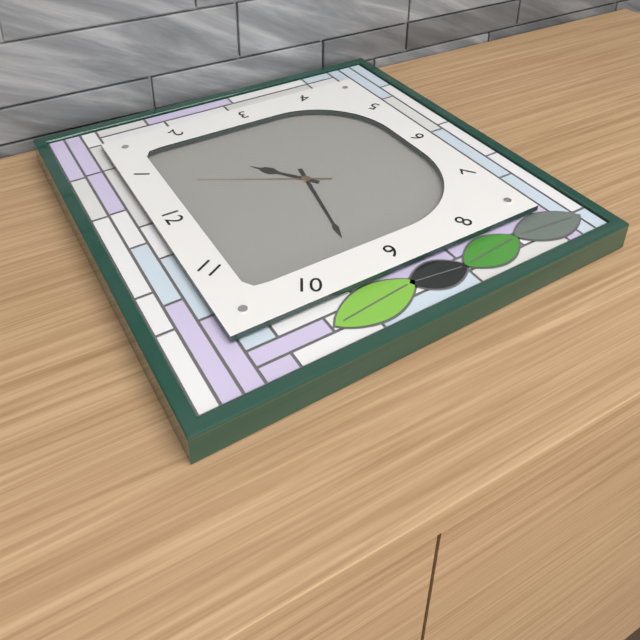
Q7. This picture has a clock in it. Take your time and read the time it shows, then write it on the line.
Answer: 1:47:05
